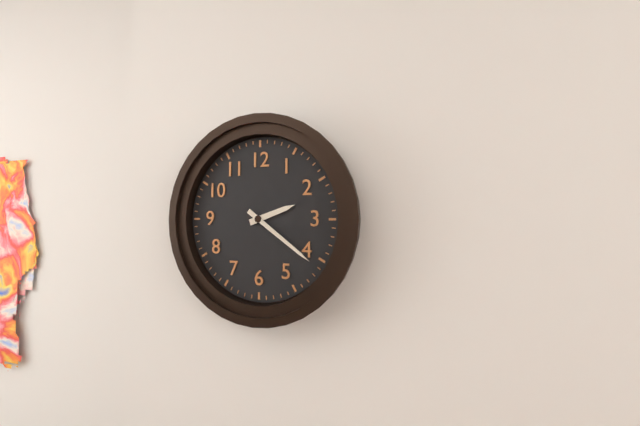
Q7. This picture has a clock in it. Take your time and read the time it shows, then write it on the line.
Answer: 2:21
